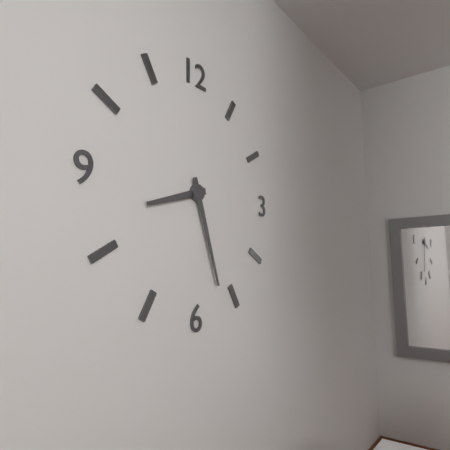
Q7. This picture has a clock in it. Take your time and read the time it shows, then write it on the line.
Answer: 8:27
